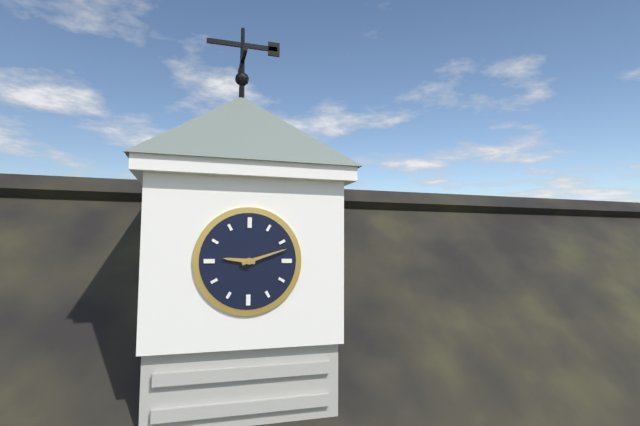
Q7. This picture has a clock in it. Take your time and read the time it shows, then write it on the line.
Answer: 9:12
